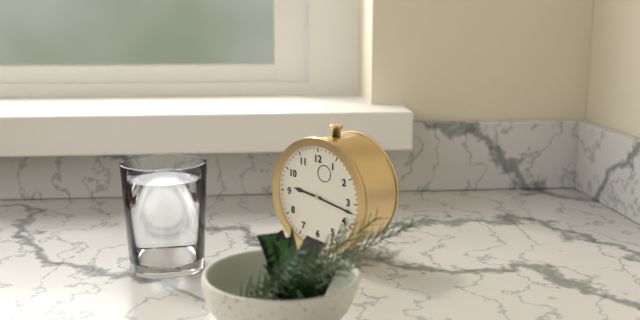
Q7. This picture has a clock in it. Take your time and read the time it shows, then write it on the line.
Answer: 9:17
